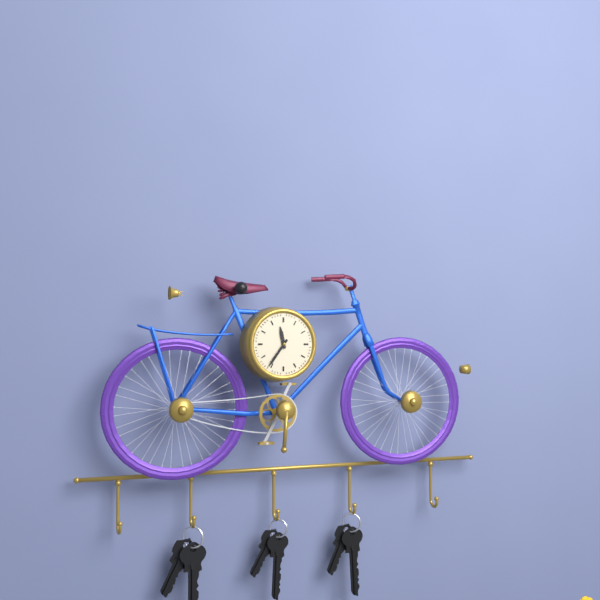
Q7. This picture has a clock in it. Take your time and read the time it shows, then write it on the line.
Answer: 11:36
